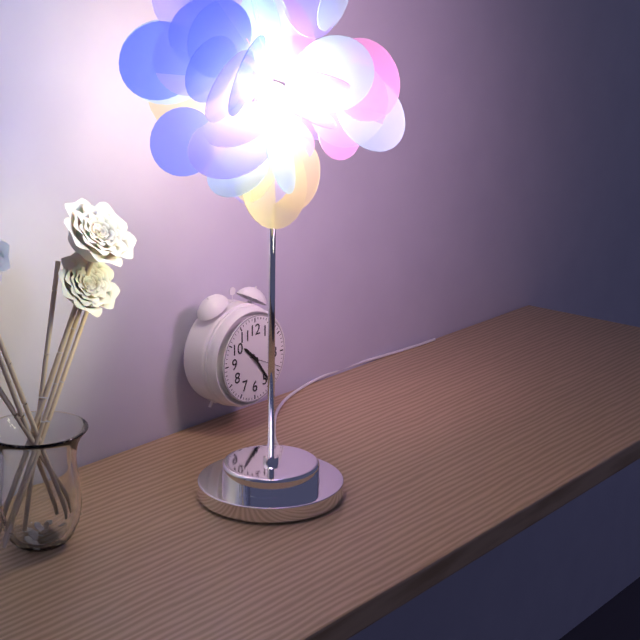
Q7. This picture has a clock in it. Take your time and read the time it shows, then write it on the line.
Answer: 10:24
